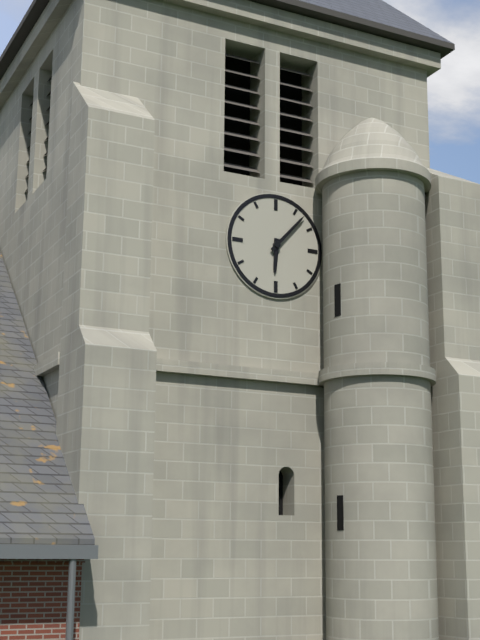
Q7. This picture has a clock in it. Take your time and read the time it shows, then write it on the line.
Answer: 6:07
